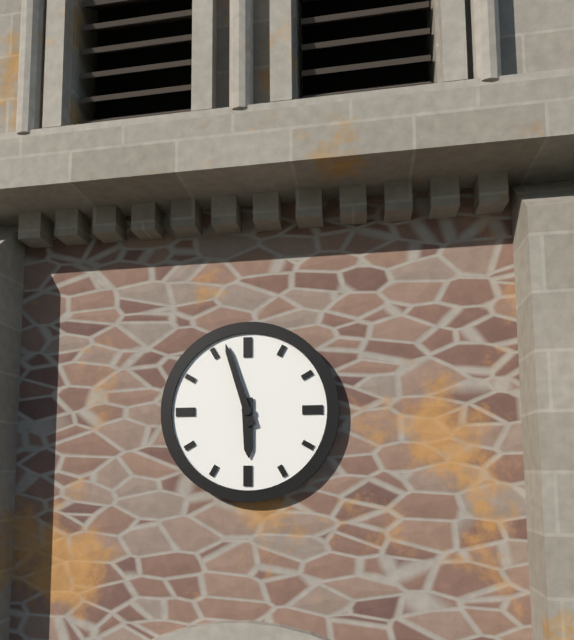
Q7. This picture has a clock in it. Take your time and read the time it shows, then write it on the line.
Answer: 5:57
